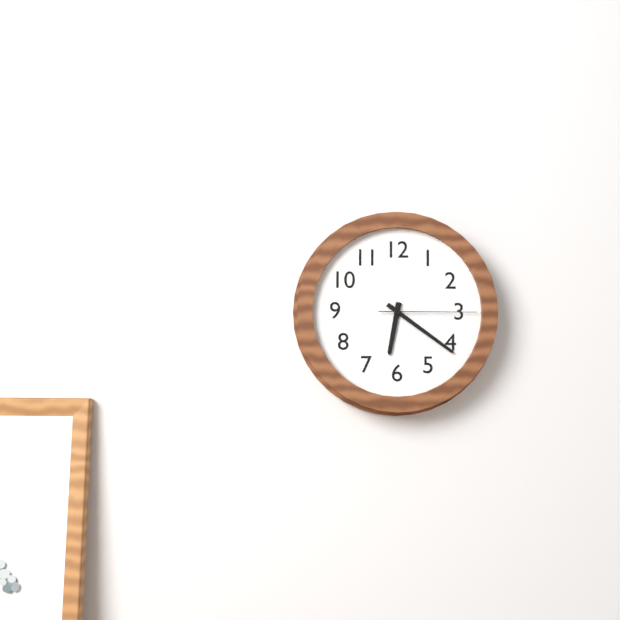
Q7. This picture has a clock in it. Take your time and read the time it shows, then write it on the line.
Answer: 6:21:15
